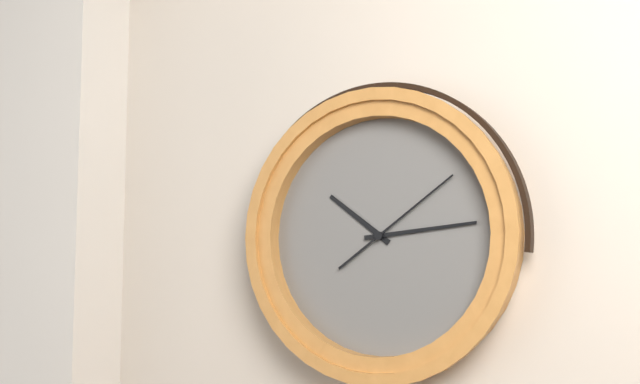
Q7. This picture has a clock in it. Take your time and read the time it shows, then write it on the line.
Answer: 10:14:09
